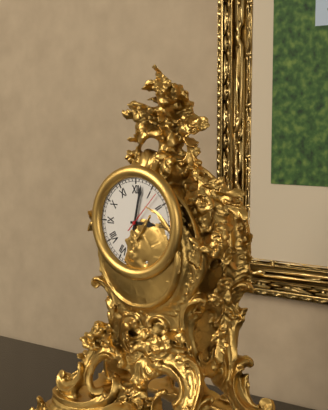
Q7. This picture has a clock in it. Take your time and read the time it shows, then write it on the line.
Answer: 3:02
